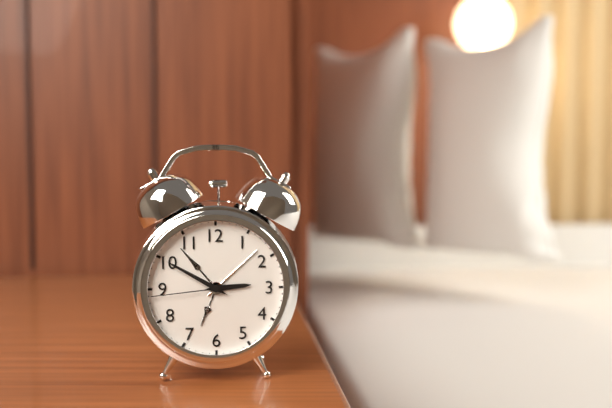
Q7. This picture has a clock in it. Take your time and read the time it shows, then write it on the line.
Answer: 2:50:44
